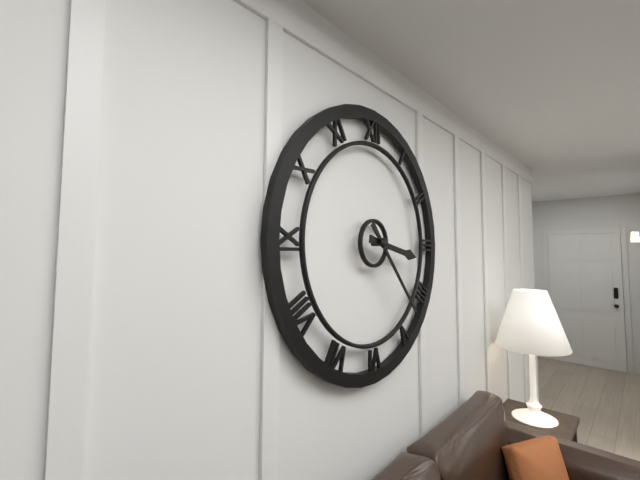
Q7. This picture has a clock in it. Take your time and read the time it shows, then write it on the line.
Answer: 3:23
